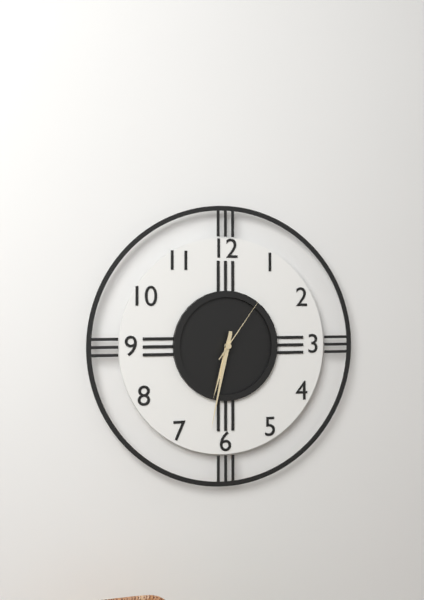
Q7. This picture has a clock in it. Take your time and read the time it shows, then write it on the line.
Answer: 6:32:06
